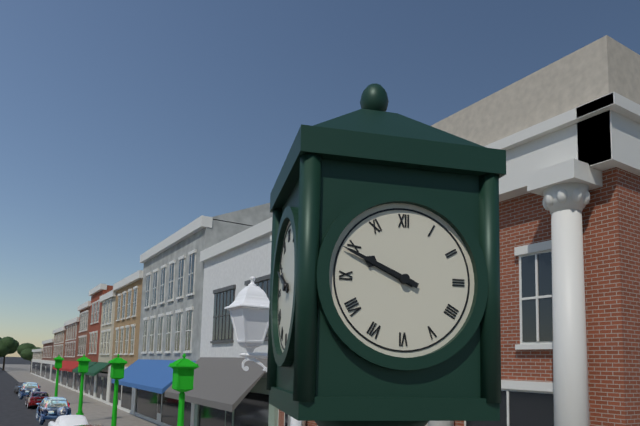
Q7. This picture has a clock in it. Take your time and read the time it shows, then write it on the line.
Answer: 9:49
